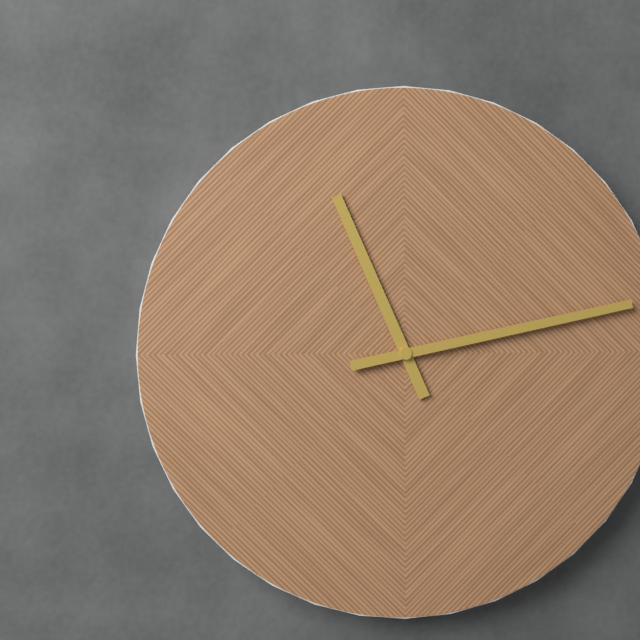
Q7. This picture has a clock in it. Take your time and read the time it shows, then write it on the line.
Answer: 11:13
